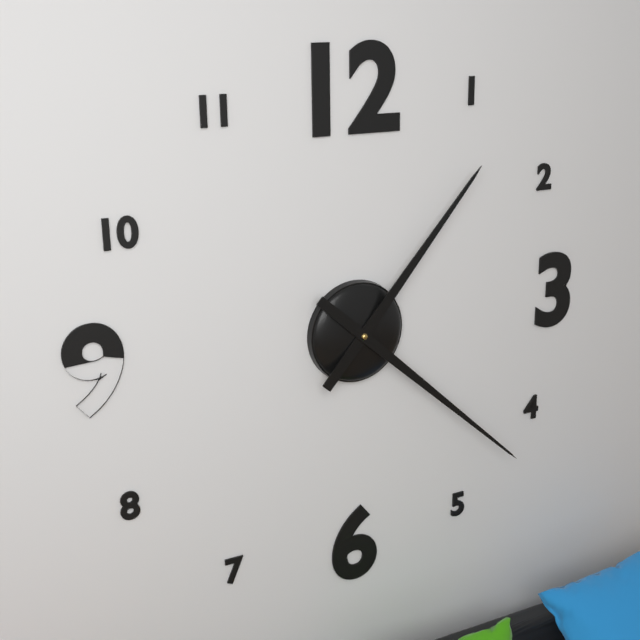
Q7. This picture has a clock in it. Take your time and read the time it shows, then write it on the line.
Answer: 1:22
